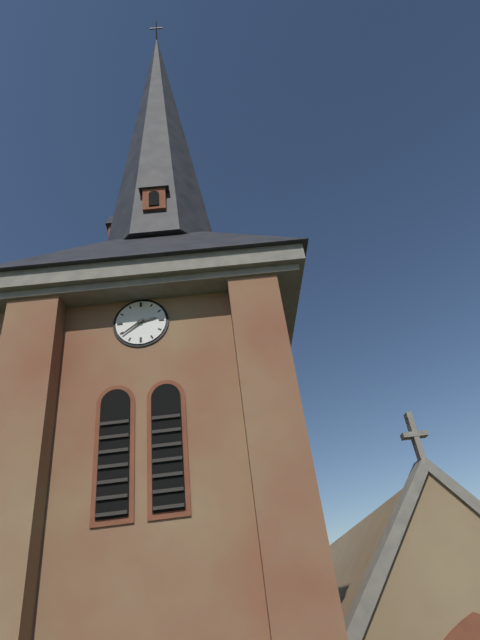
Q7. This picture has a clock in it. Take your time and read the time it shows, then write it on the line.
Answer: 2:39
